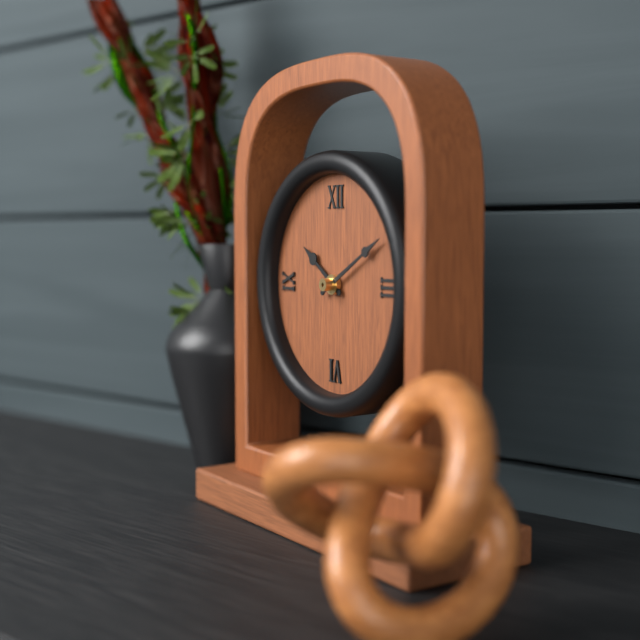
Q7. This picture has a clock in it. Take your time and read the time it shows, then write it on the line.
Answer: 10:10
